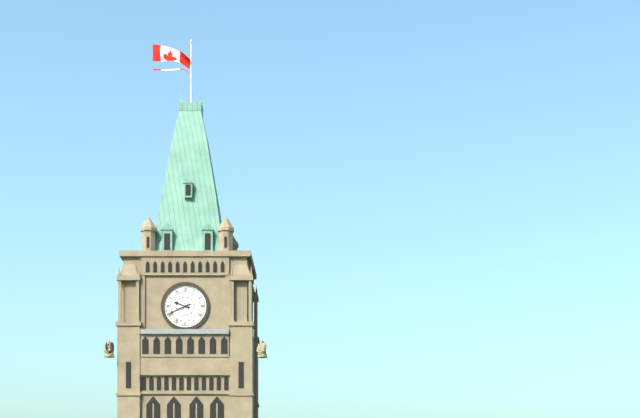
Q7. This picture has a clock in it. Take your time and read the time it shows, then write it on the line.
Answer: 9:41
